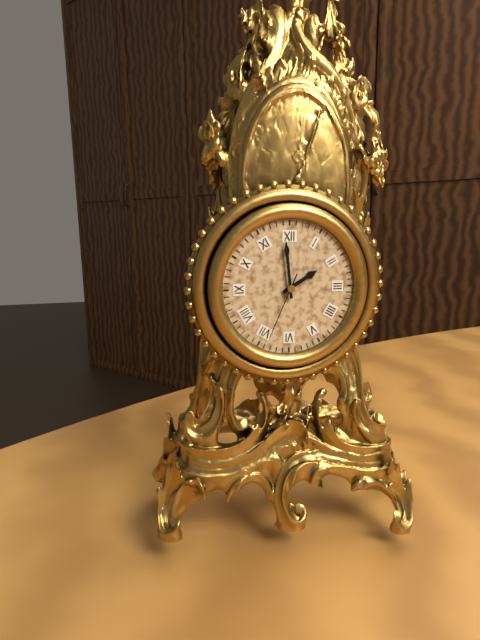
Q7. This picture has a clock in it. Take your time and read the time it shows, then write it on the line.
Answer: 1:59:34
